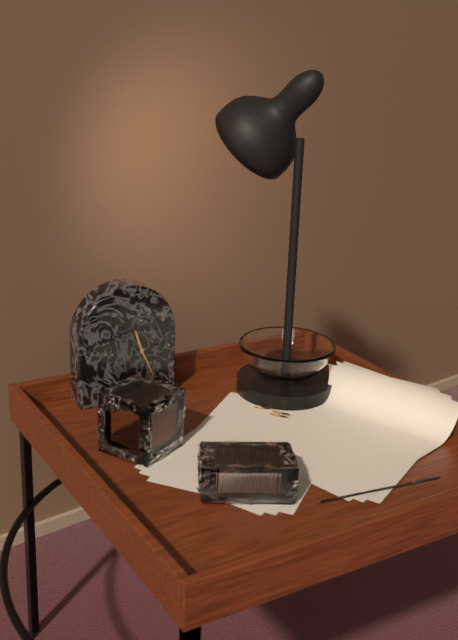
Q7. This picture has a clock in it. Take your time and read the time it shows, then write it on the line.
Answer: 11:26
